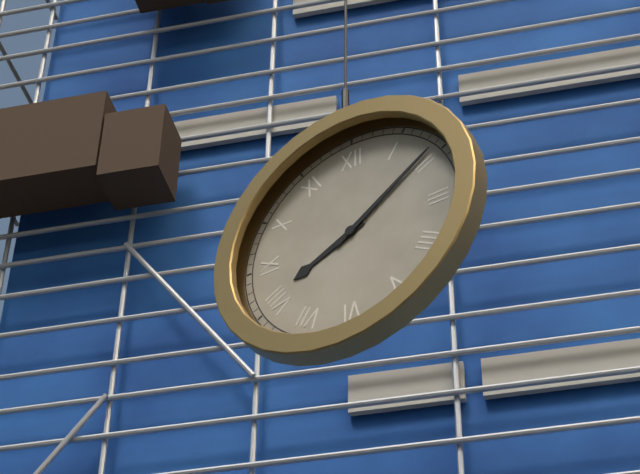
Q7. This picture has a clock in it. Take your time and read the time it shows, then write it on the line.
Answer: 8:09
